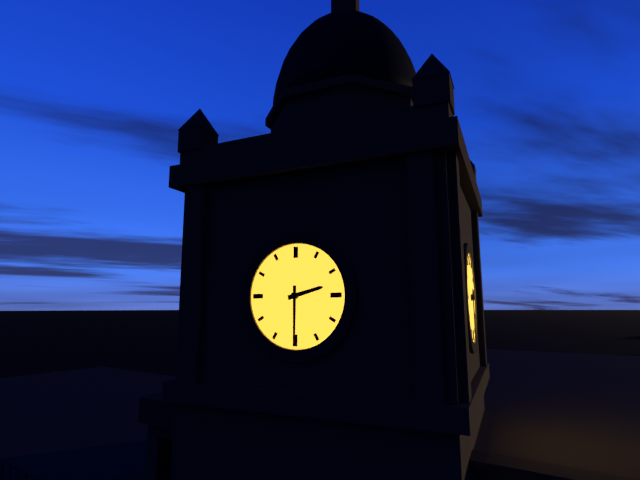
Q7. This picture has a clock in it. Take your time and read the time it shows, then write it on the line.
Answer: 2:30
